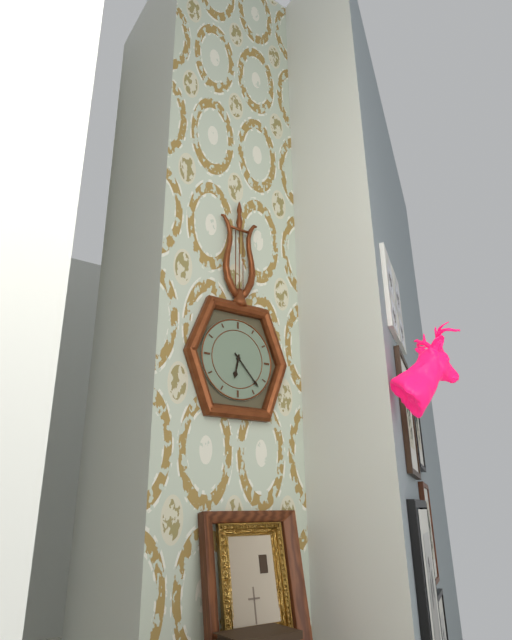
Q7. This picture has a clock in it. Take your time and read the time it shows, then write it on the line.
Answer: 6:23
